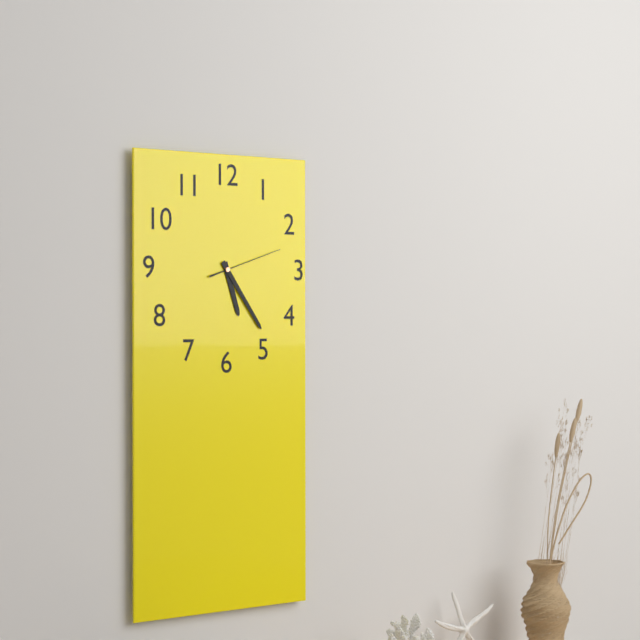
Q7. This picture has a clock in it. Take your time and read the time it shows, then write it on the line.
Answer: 5:24:12
